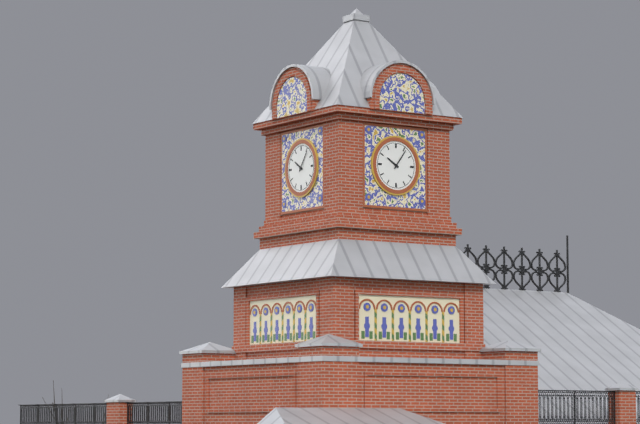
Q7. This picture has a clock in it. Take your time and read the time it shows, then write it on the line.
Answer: 10:06
